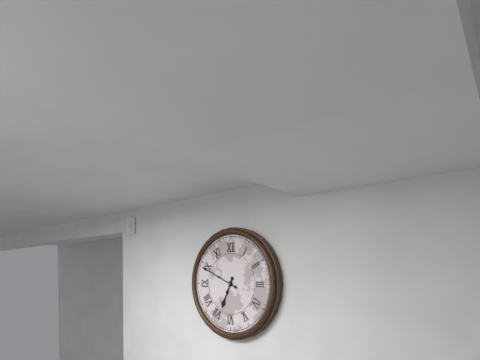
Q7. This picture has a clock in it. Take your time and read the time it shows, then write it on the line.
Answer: 6:49
